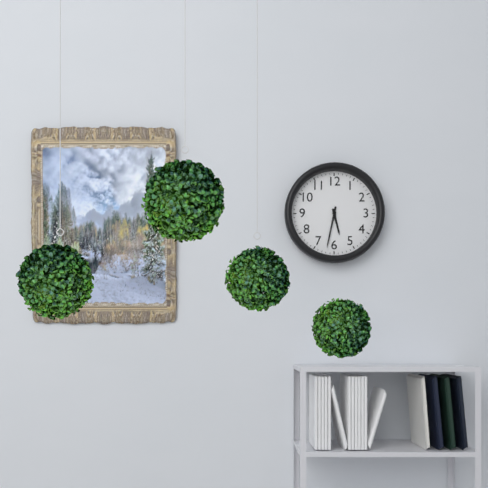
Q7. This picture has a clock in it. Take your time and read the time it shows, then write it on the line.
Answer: 5:32
